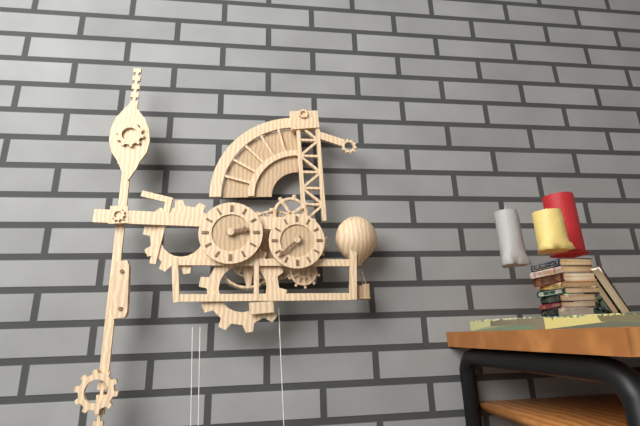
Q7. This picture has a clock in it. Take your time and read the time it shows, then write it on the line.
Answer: 2:38
